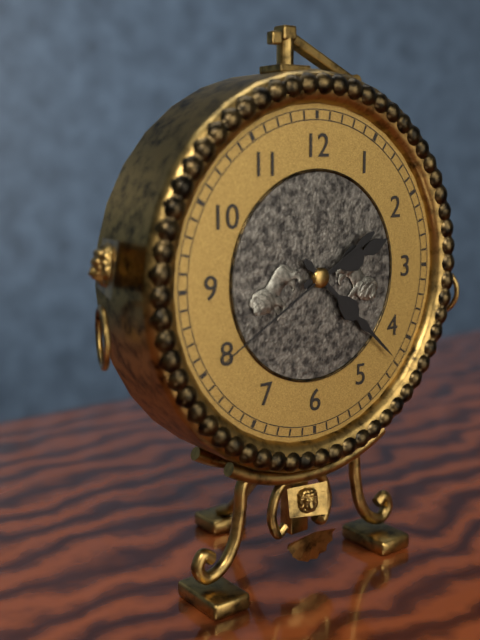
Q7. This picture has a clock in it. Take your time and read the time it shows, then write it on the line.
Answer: 2:22:40
